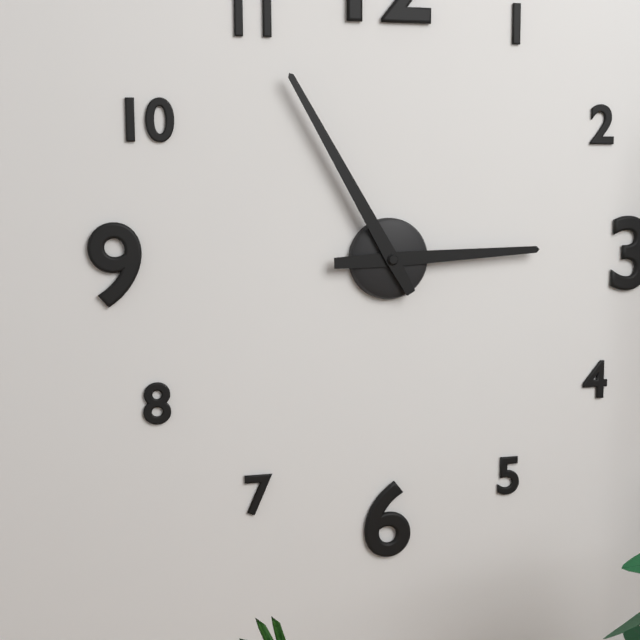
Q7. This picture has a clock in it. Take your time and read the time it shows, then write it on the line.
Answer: 2:55
